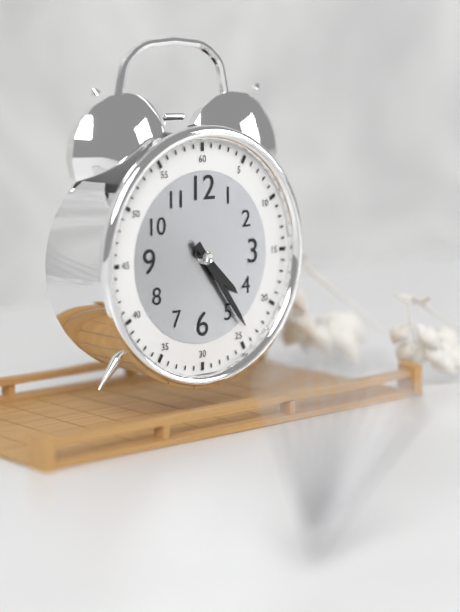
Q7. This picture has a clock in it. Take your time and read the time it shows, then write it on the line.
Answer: 4:24
